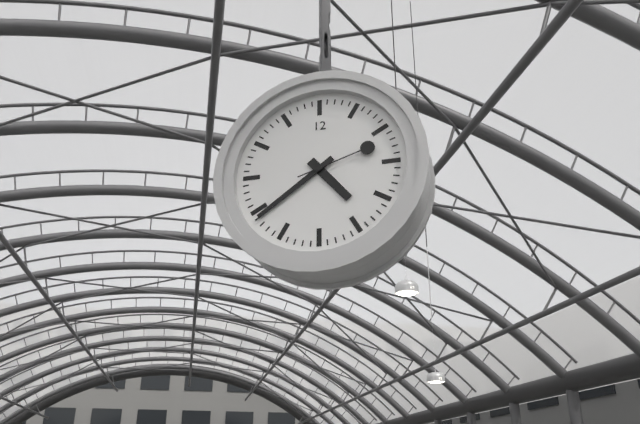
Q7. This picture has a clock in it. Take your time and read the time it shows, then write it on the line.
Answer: 4:39:12
